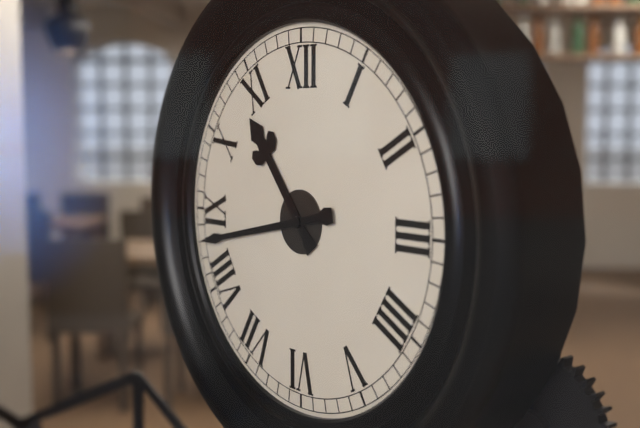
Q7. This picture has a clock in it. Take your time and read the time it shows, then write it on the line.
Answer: 10:43
